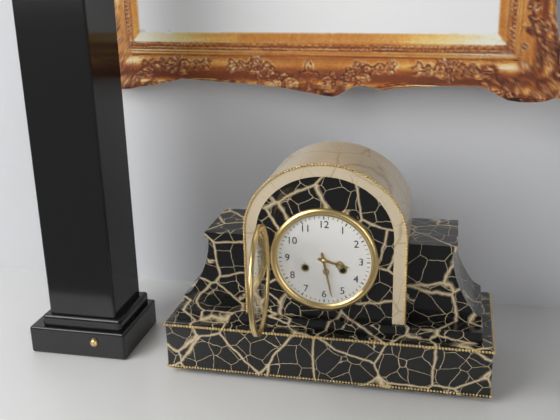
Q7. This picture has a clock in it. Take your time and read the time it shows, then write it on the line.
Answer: 3:28
